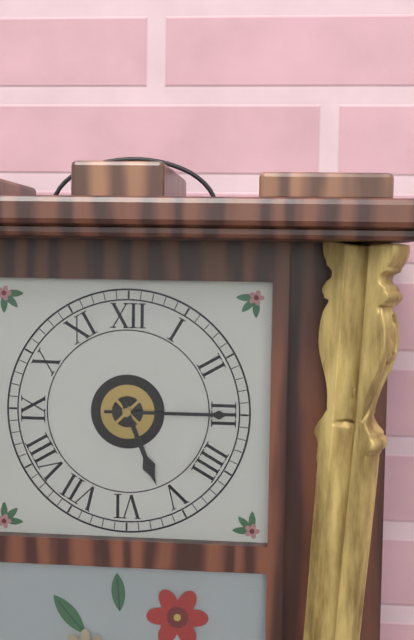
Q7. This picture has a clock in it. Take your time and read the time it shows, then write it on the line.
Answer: 5:15
